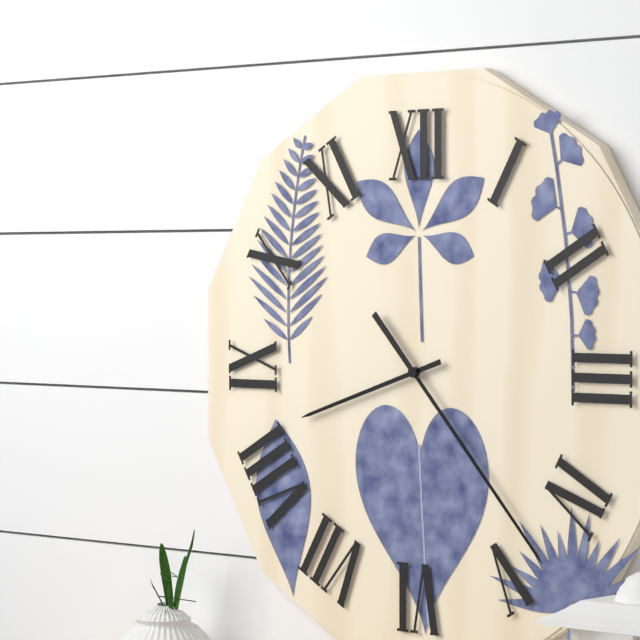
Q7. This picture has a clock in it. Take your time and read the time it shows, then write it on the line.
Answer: 8:23
